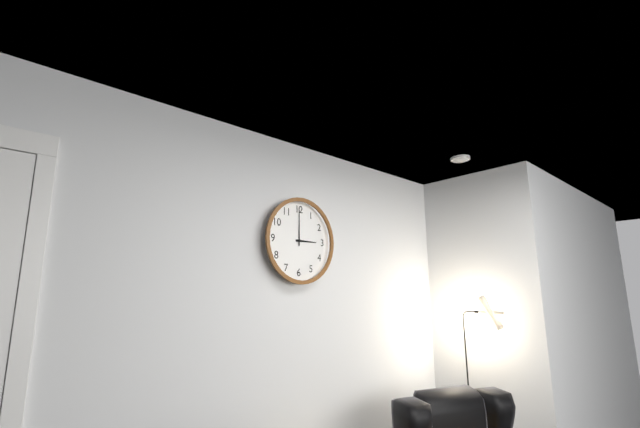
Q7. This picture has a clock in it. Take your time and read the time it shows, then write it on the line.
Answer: 3:00
